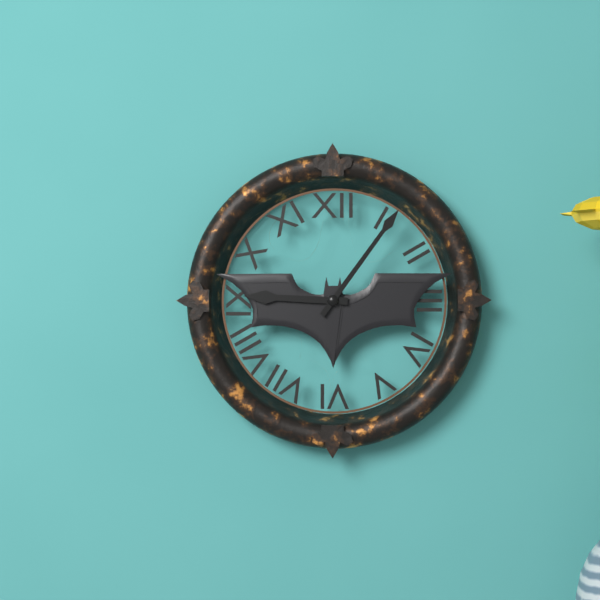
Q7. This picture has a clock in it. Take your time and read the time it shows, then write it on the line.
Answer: 9:06
